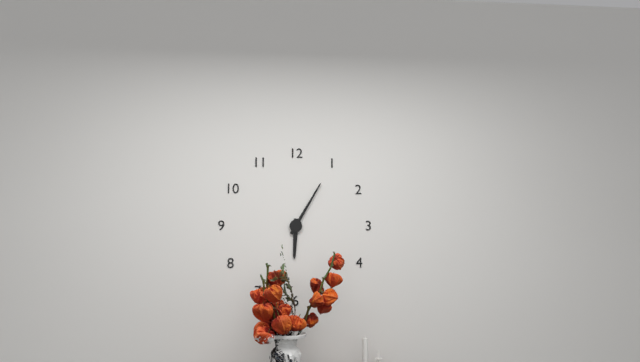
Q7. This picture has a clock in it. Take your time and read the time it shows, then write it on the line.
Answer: 6:05
